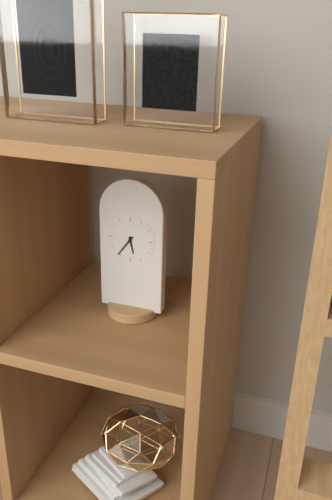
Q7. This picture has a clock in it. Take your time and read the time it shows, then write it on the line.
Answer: 5:36
